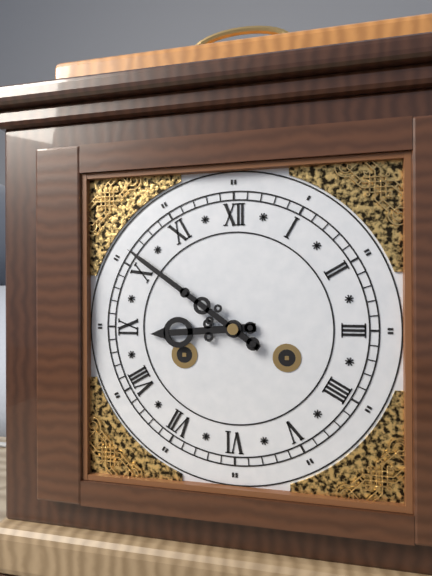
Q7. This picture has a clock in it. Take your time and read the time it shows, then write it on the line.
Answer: 8:51
